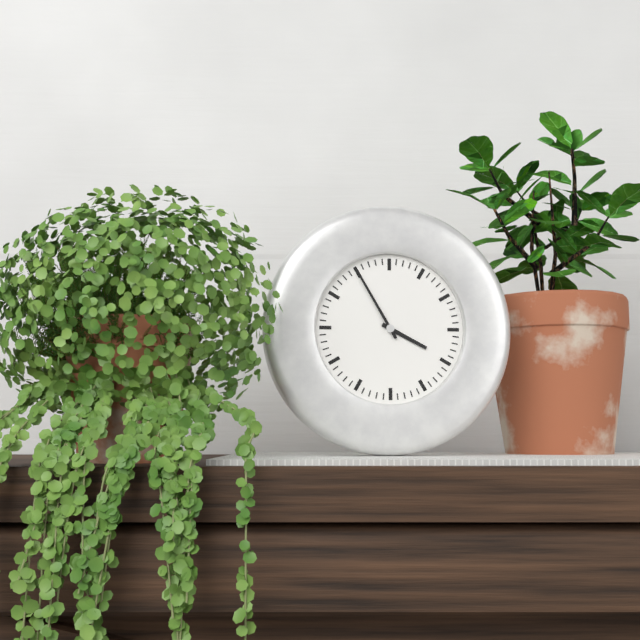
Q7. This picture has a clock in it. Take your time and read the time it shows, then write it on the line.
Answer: 3:55
